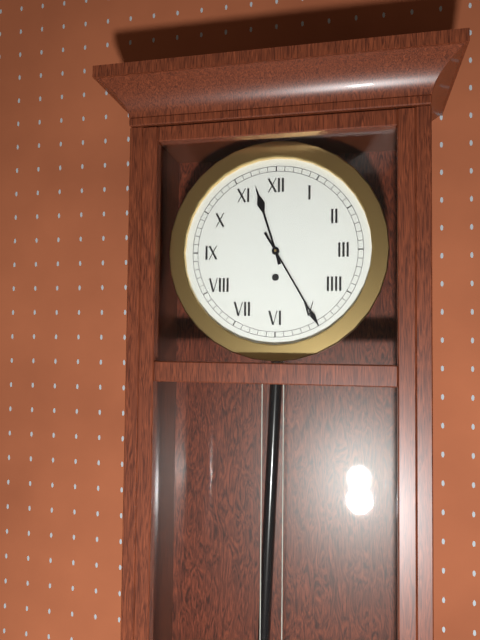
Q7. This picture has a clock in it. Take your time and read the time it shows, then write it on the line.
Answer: 11:25
